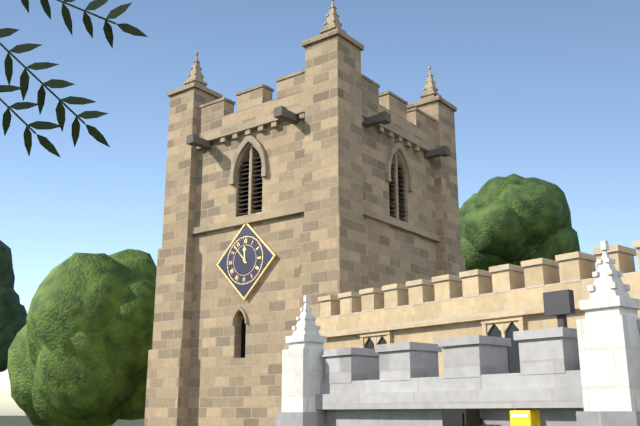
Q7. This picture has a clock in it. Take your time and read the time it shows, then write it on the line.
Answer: 11:53
